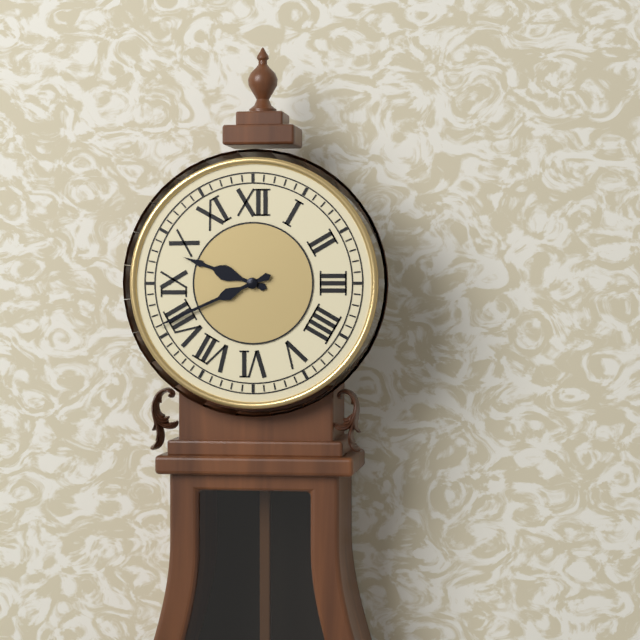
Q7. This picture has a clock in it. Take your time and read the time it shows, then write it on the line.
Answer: 9:41
